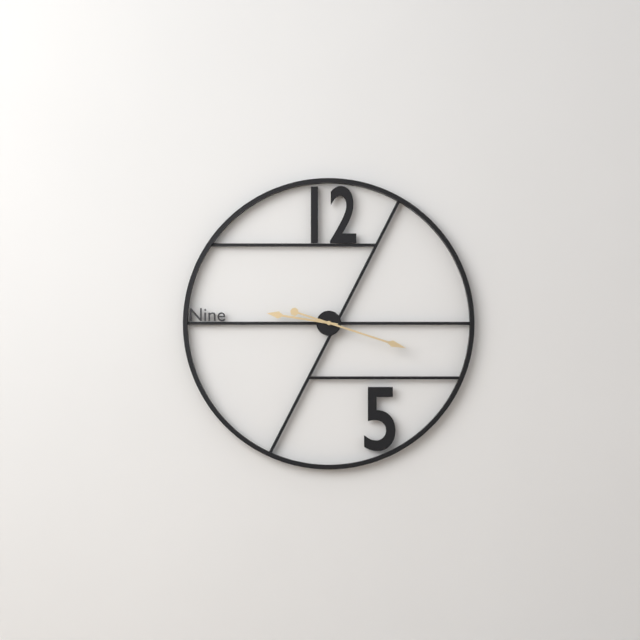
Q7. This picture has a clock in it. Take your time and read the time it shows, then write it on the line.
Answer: 9:18
